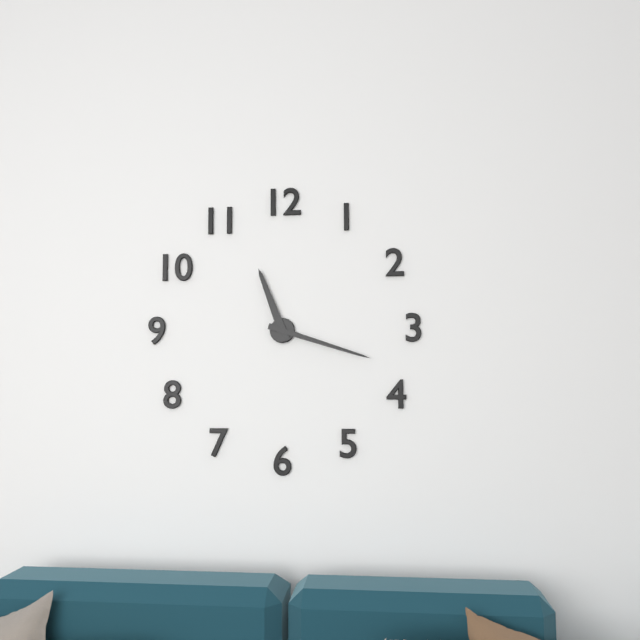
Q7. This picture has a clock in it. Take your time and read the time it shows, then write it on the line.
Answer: 11:18
